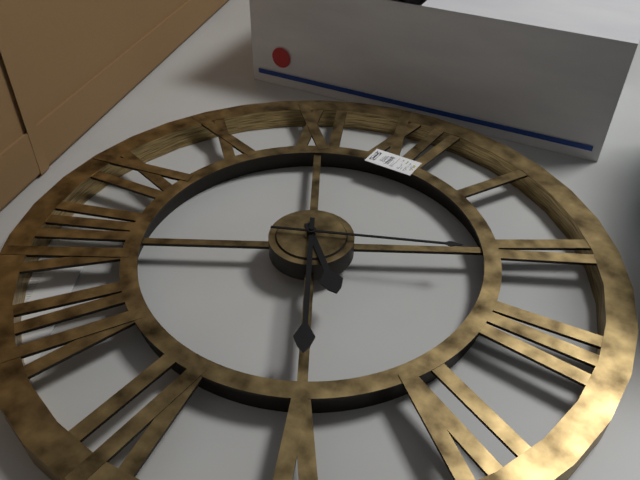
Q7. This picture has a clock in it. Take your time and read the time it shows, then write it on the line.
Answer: 4:25:11
